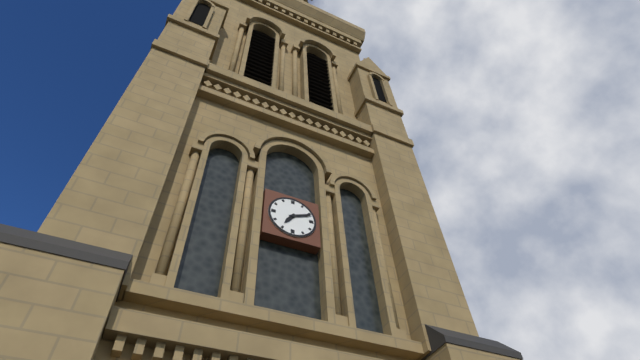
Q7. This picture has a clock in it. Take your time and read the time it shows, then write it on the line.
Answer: 7:11
